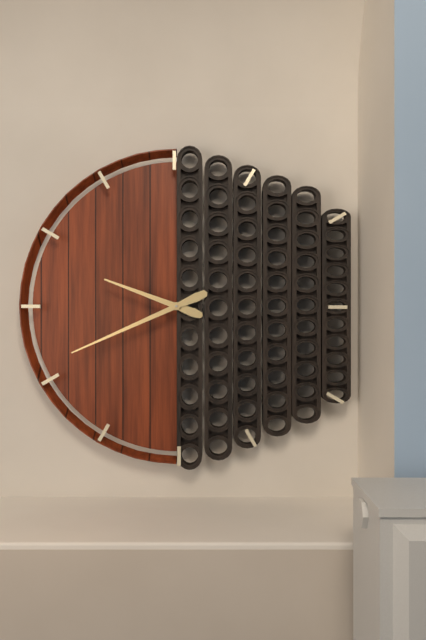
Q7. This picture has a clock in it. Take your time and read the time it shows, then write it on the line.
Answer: 9:41
